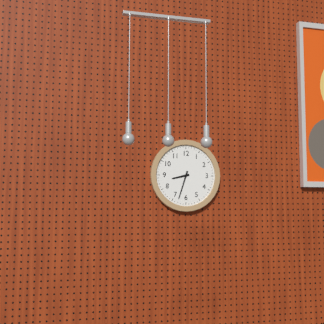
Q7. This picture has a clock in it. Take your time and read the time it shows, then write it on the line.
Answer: 8:33
